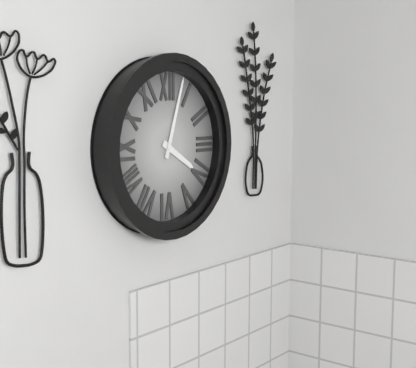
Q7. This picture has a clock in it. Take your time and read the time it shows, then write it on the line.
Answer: 4:03
